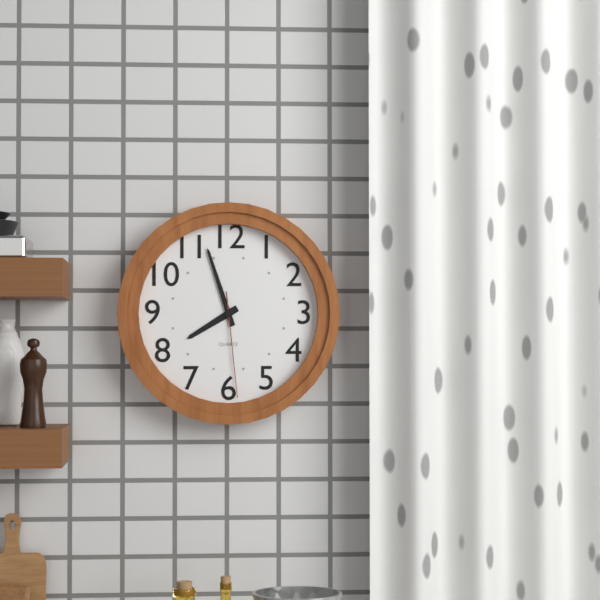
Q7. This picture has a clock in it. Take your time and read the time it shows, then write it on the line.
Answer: 7:57:29
